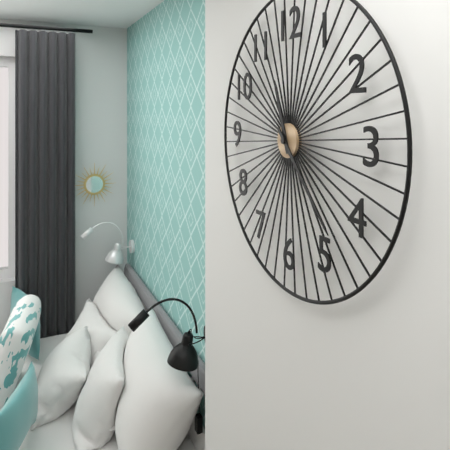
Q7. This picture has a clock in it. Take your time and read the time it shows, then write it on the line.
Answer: 11:23
